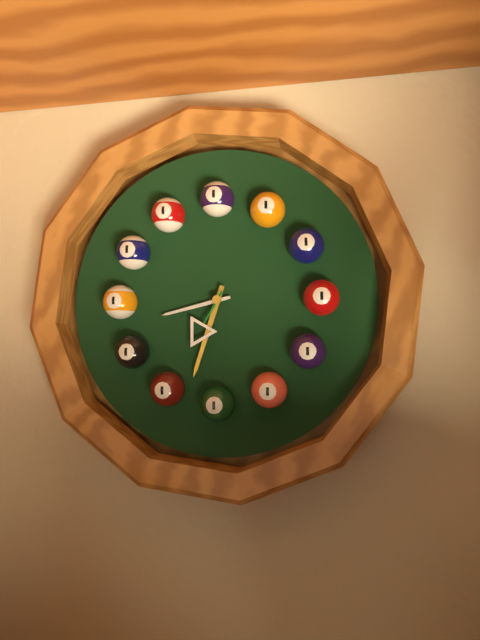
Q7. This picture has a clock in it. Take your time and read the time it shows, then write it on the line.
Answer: 8:33:35
